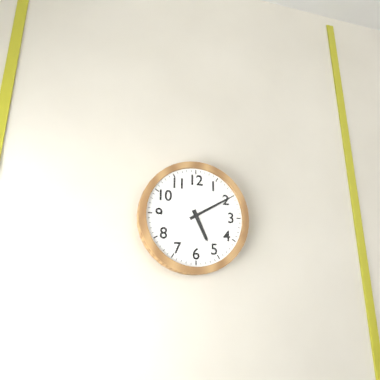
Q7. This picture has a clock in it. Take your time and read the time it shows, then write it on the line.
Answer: 5:10
